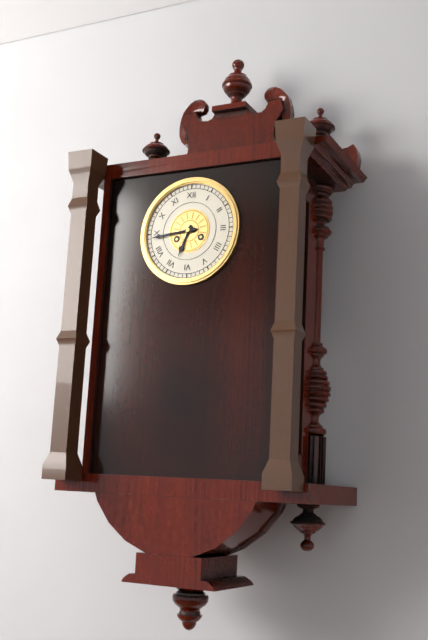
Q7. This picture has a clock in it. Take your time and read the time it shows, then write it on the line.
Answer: 6:44
